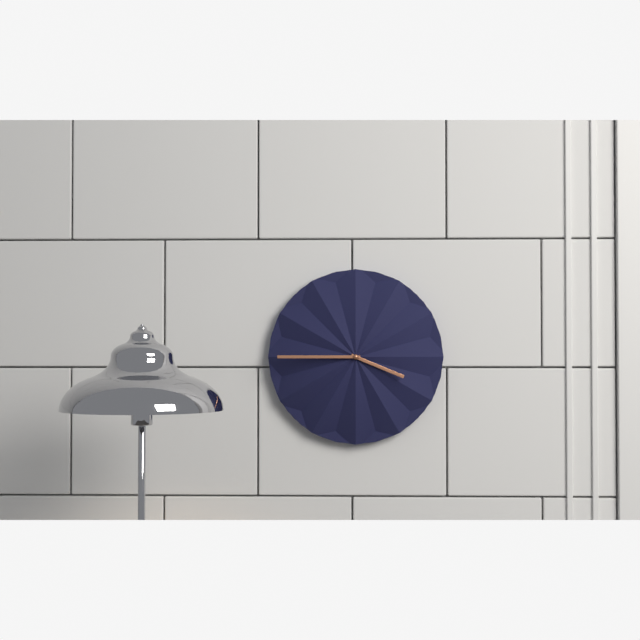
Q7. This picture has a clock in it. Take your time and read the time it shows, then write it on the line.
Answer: 3:45
